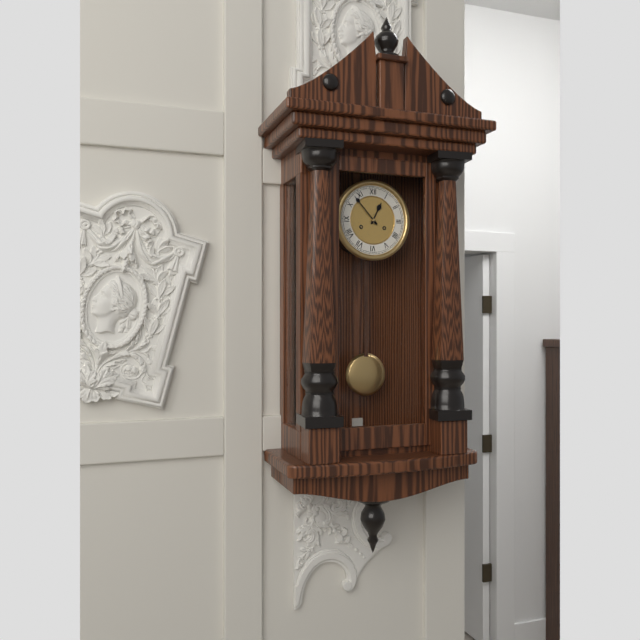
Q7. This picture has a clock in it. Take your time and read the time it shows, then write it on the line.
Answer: 12:53
